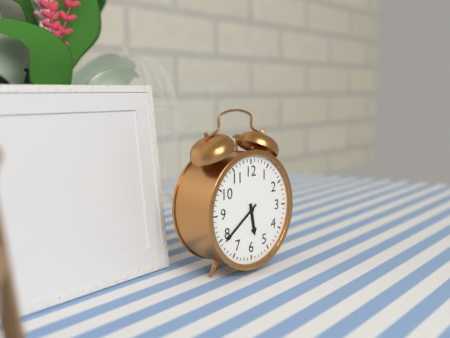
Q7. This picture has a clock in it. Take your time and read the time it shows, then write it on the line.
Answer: 5:39
